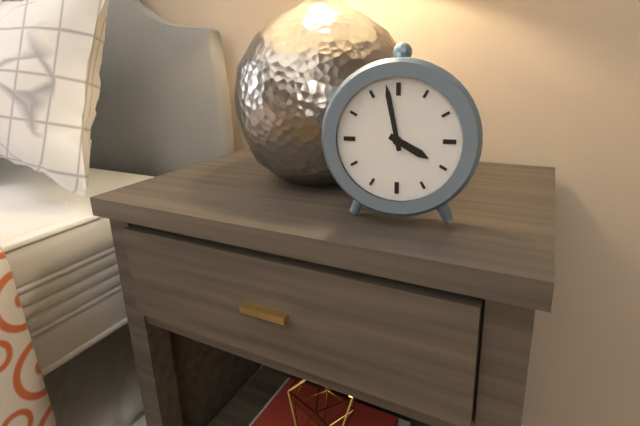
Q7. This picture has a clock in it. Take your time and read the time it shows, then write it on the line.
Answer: 3:58
